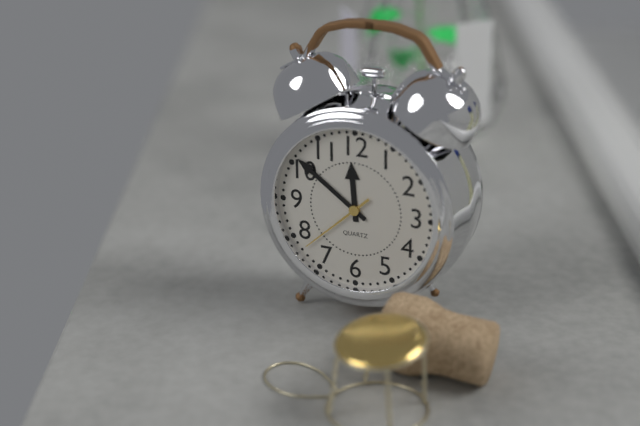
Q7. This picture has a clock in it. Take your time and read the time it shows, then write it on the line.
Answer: 11:51:38
